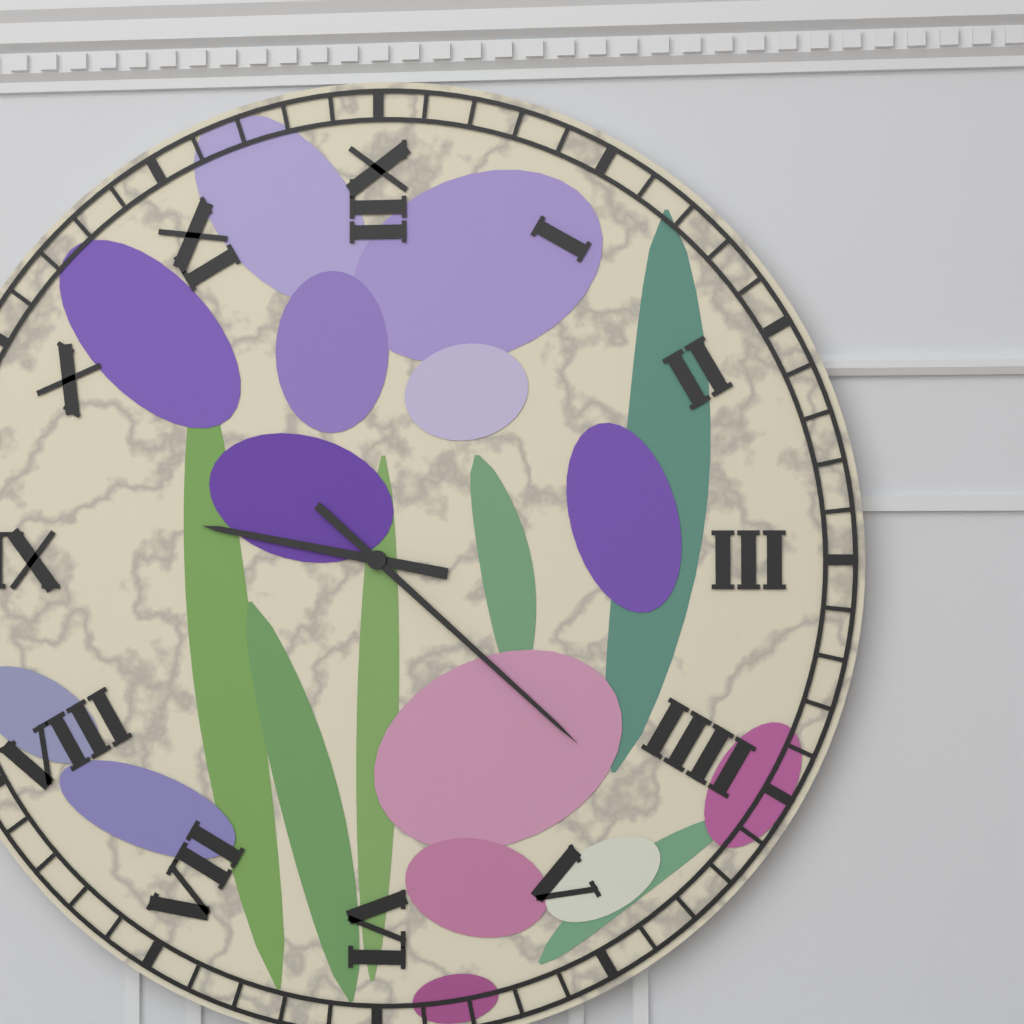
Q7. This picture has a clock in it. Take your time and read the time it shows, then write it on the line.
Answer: 9:22
